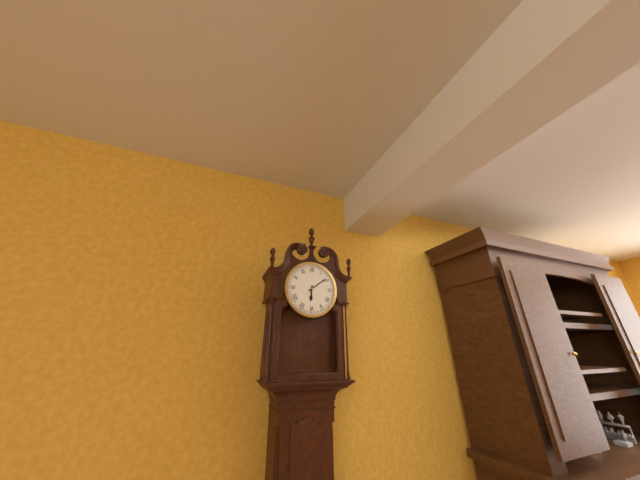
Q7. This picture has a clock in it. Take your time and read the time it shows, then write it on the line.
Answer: 6:09
